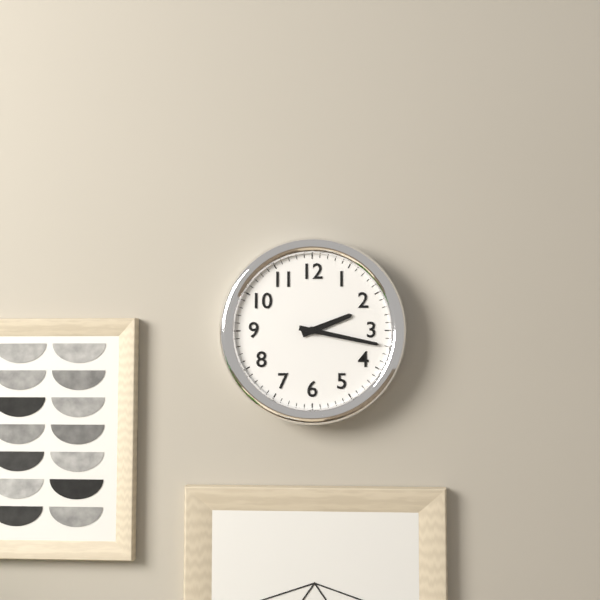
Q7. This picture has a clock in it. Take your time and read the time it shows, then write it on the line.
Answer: 2:17
